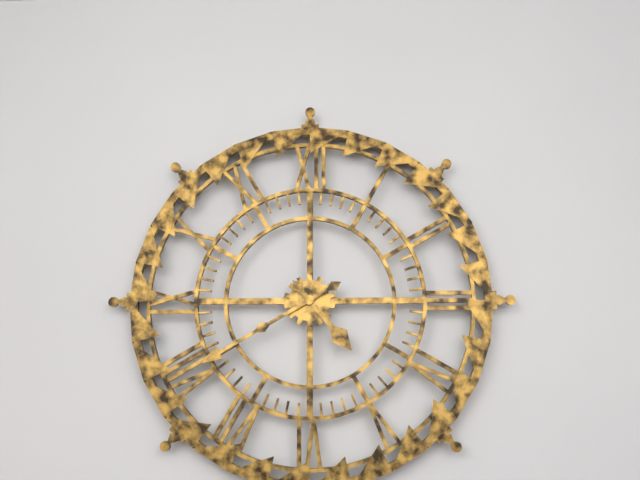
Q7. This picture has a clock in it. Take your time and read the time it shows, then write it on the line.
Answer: 4:40
